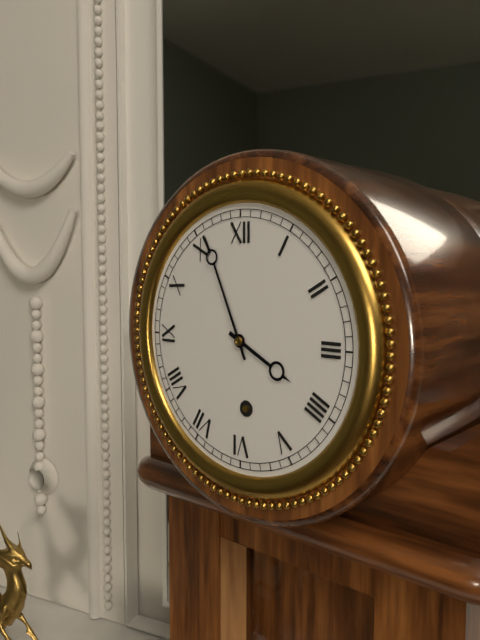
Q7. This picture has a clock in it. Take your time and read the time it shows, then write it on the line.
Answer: 3:56
